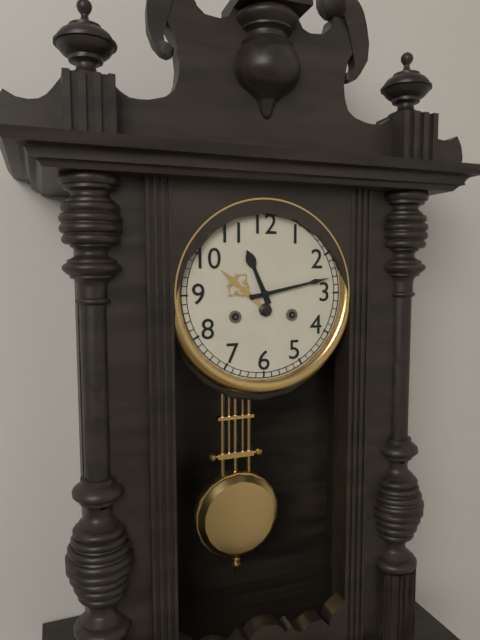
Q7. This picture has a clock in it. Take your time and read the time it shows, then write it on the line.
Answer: 11:13
